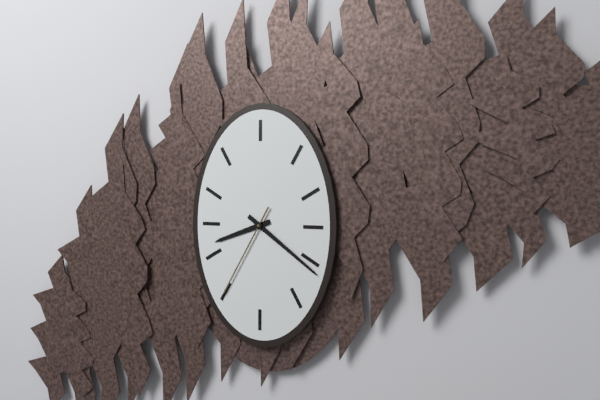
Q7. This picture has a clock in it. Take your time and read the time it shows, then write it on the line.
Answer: 8:21:35
